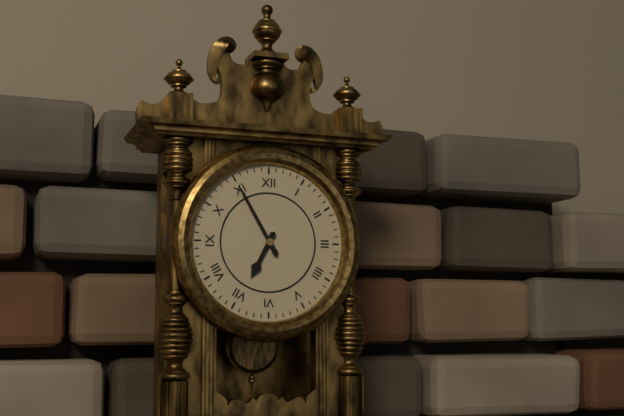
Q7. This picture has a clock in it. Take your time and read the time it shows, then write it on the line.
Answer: 6:55
